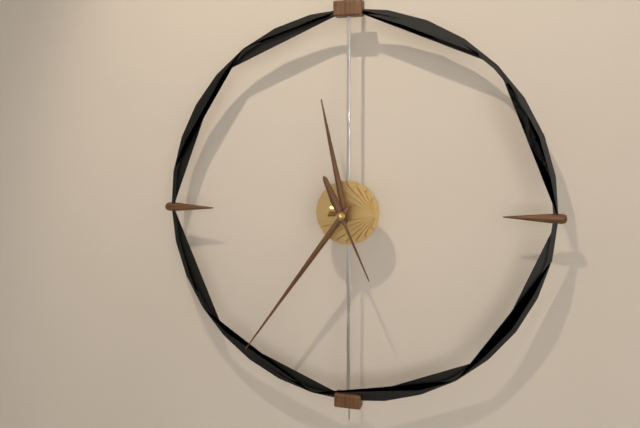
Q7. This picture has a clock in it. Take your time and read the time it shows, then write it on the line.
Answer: 11:36:26
